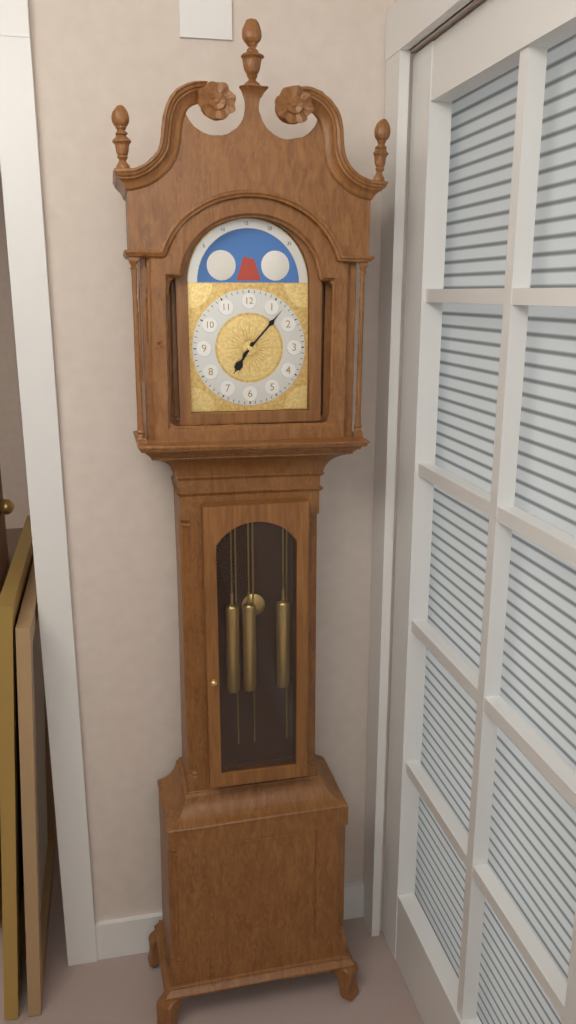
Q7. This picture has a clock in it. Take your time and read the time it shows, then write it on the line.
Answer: 7:07
